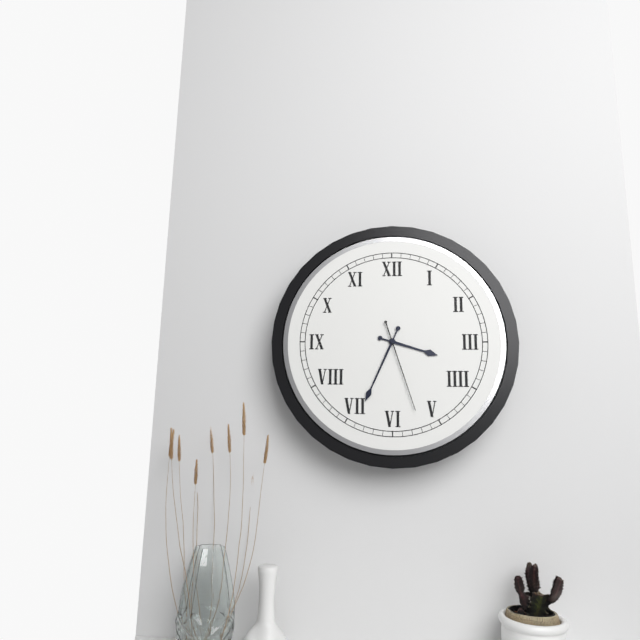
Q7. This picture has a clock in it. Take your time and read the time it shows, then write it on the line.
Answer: 3:34:27
